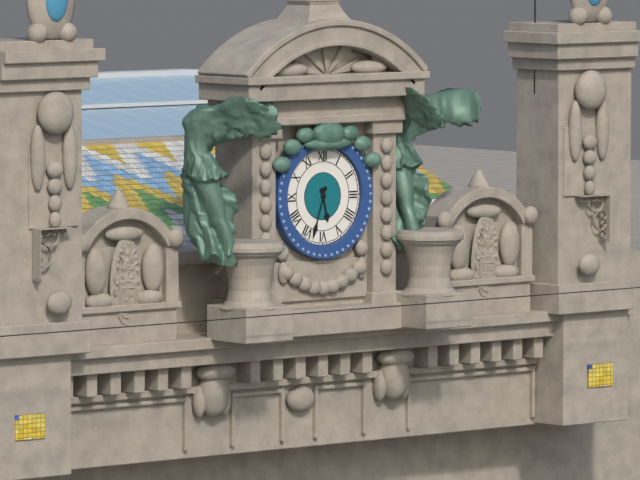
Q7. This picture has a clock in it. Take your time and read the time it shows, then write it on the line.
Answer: 5:33
